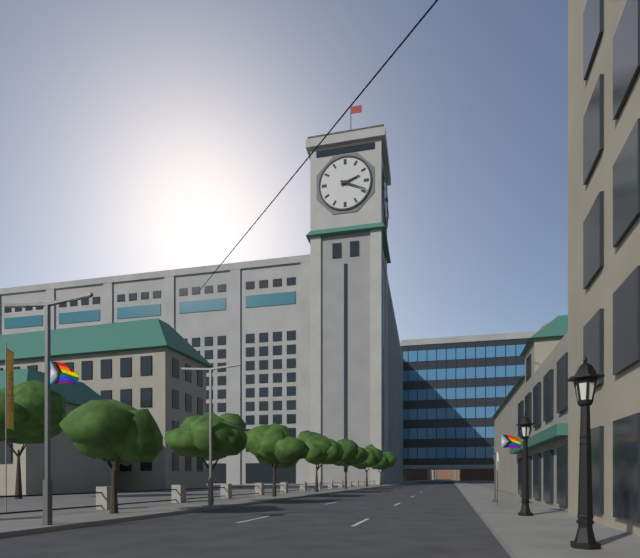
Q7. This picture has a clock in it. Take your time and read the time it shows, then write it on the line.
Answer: 2:19
